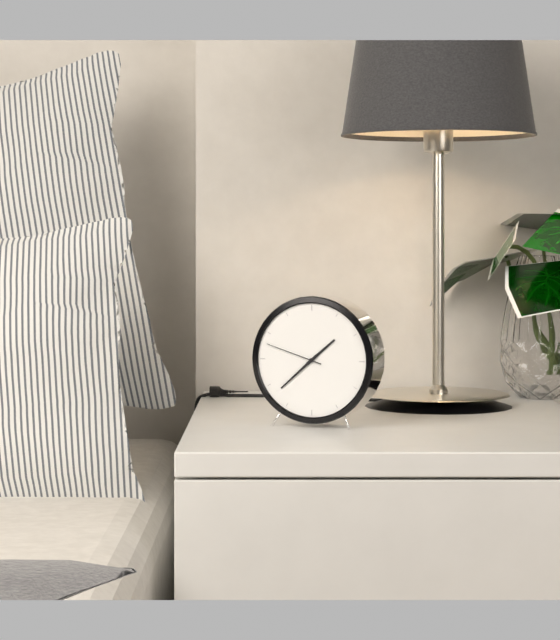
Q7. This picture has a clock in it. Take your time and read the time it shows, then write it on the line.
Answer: 1:38:48
